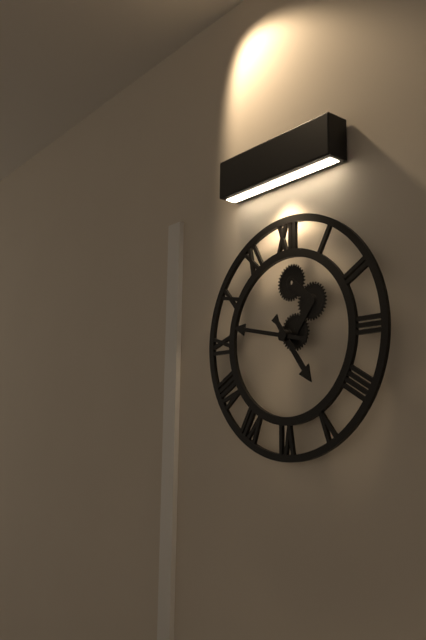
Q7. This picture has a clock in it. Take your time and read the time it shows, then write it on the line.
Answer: 4:47
